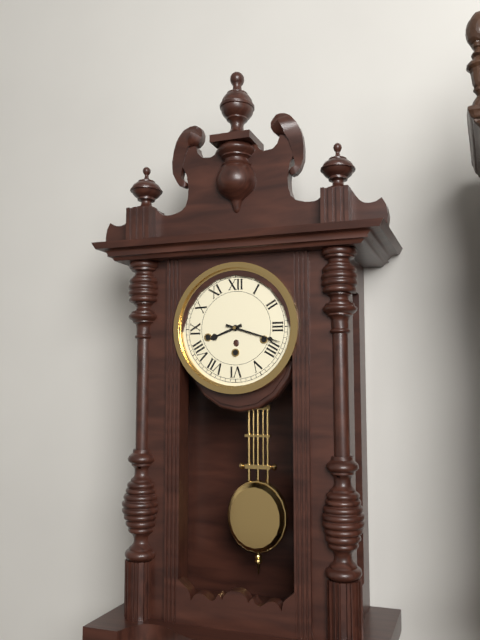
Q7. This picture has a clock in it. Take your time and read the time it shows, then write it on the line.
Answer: 8:18
